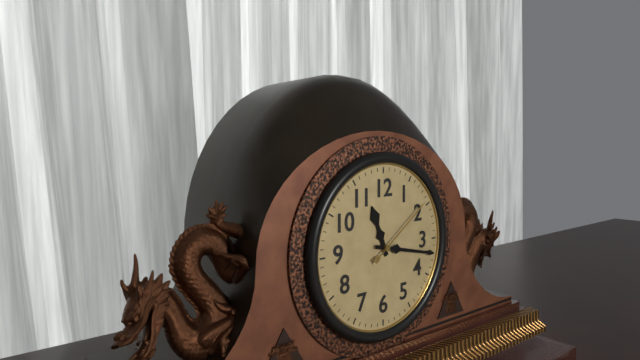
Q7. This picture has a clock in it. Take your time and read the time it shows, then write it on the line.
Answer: 11:17:09
